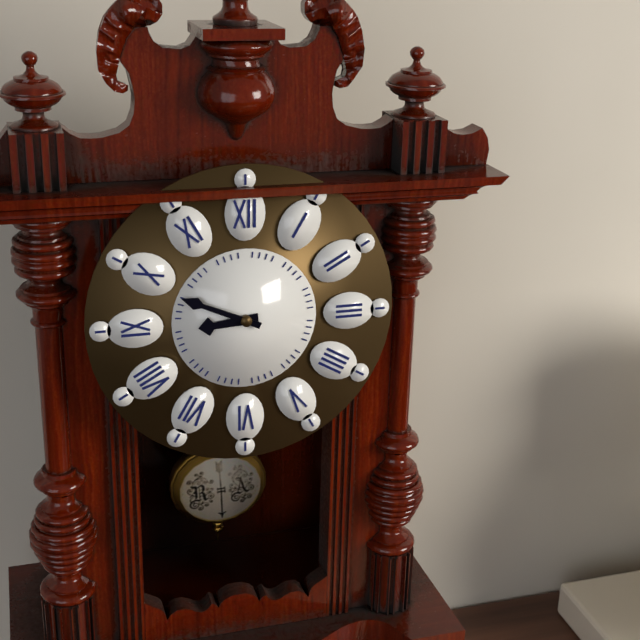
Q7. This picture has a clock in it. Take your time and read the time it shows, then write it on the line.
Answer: 8:49
